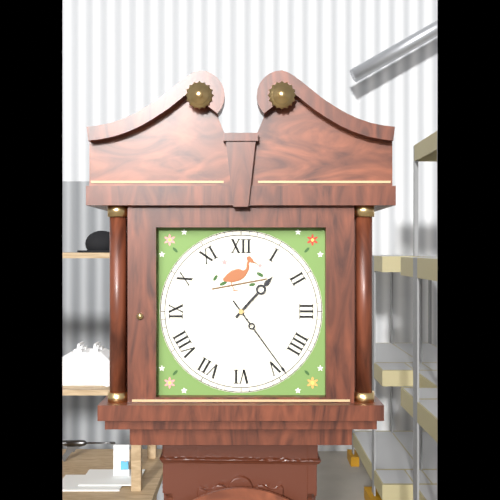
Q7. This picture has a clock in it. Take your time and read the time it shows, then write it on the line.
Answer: 1:24
